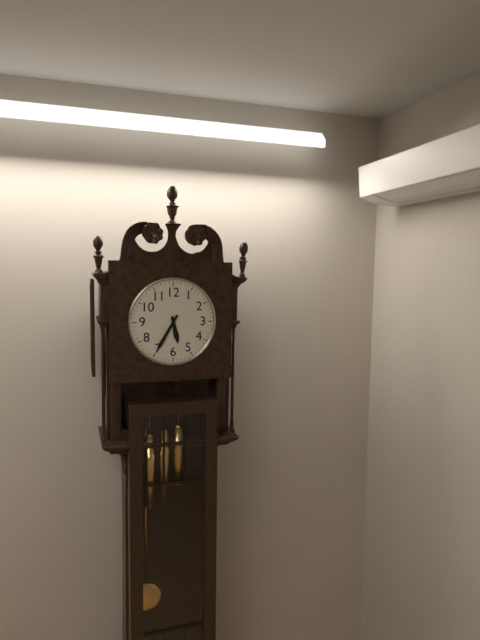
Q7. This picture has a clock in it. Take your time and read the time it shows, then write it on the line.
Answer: 5:35
